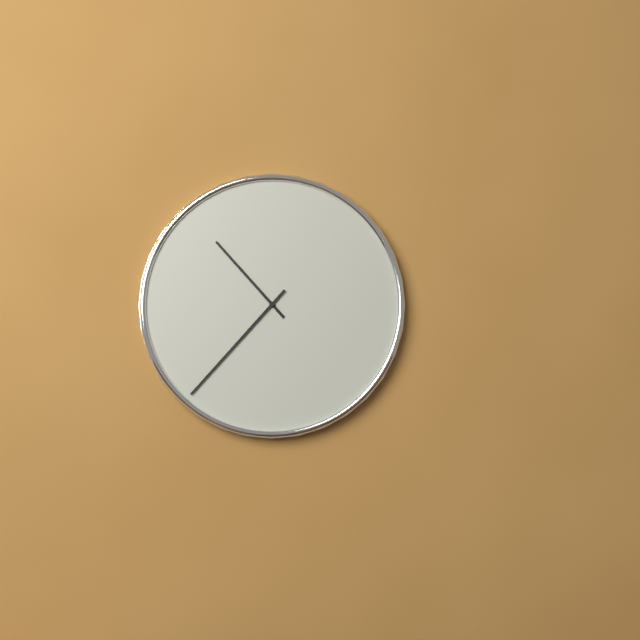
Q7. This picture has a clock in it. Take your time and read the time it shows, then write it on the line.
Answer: 10:37
